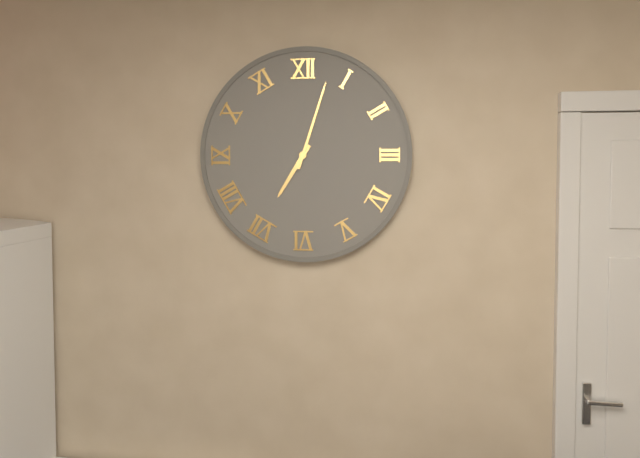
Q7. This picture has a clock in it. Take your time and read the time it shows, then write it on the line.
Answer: 7:03
